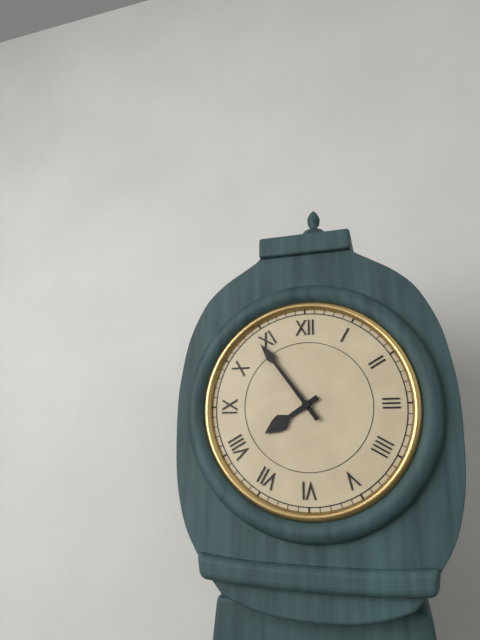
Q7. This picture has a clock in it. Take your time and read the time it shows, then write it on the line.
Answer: 7:54
